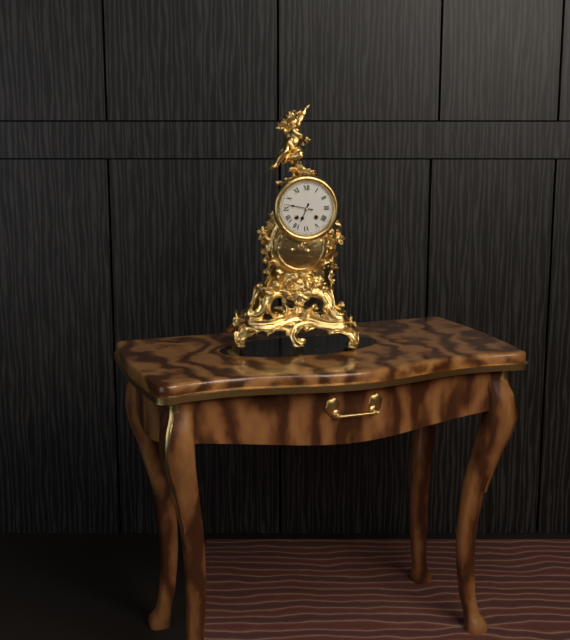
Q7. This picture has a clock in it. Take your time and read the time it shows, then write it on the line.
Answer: 6:47
